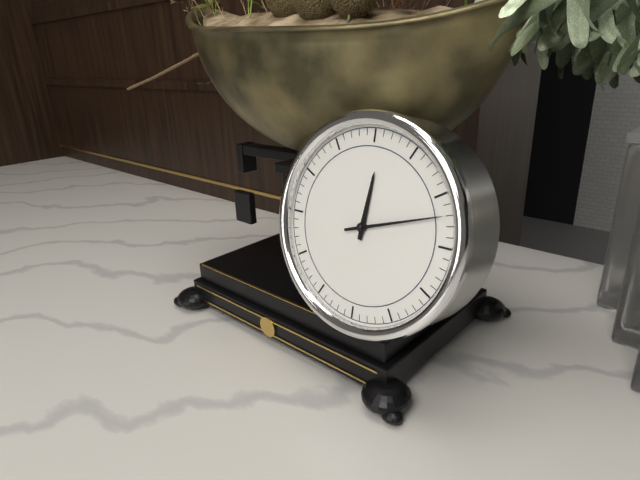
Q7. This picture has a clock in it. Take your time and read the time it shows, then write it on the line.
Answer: 12:12
